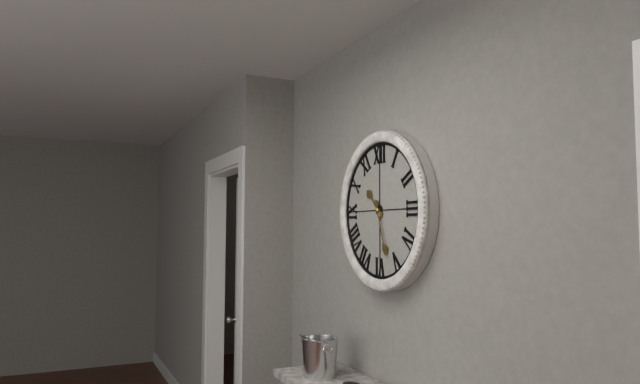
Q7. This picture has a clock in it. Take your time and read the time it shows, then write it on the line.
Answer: 10:27
